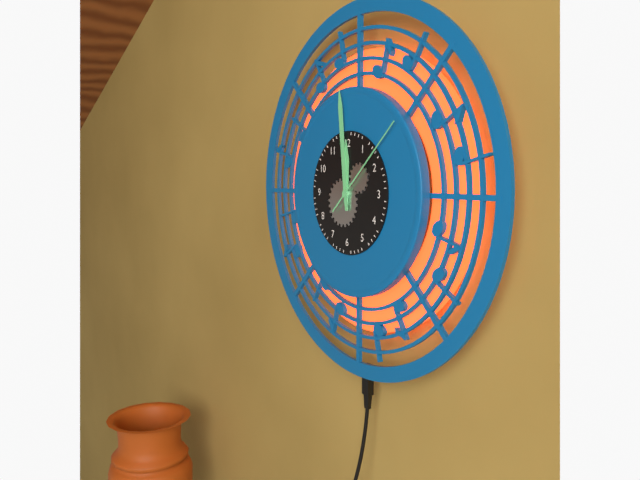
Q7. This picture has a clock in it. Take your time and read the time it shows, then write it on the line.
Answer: 11:59:08
